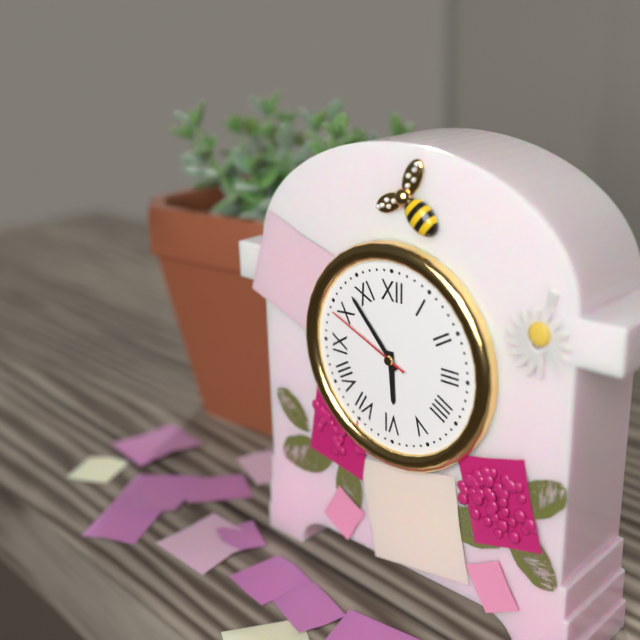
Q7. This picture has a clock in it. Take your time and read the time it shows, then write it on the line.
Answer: 5:53:49
